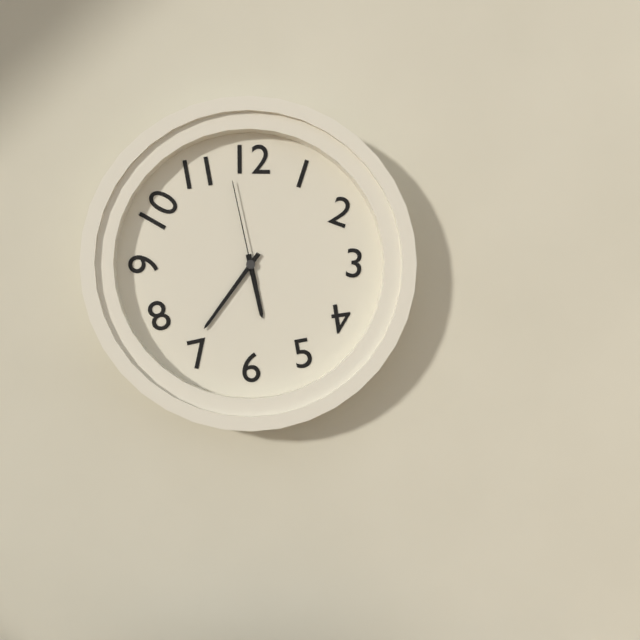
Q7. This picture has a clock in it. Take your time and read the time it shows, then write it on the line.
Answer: 5:36:58
